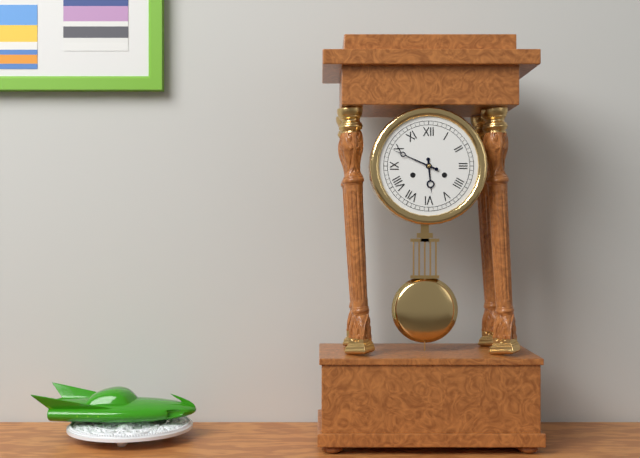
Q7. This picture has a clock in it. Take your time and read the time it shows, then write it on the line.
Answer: 5:49
